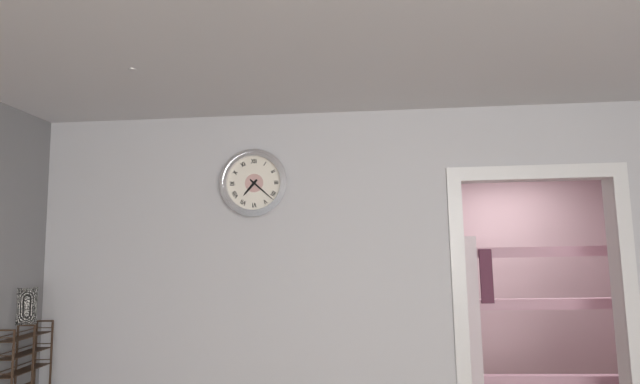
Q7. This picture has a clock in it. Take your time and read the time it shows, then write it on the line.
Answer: 7:22
